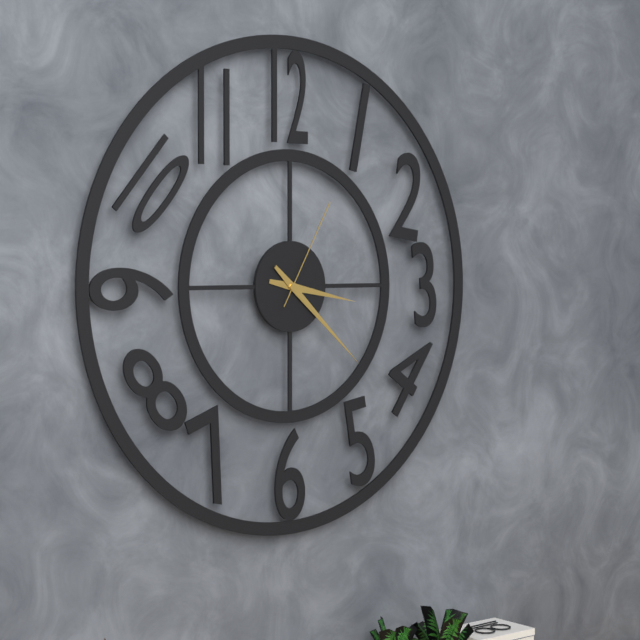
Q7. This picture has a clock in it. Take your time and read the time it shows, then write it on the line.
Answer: 3:22:05
